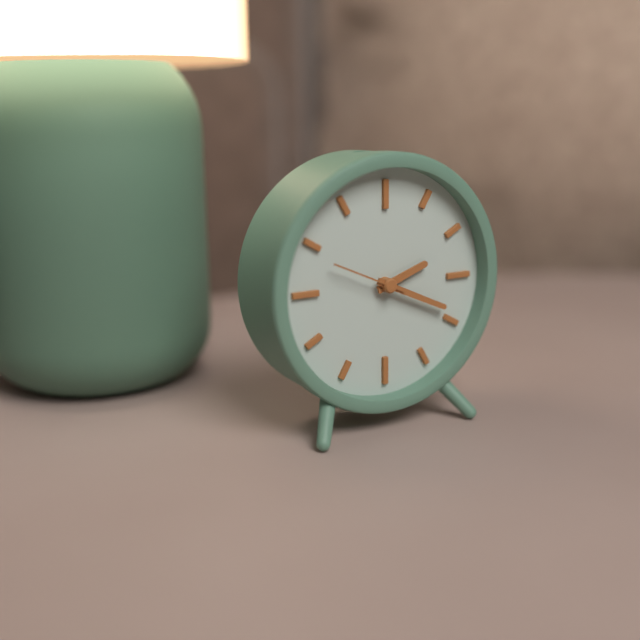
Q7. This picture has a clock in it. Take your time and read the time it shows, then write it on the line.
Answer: 2:19:49
